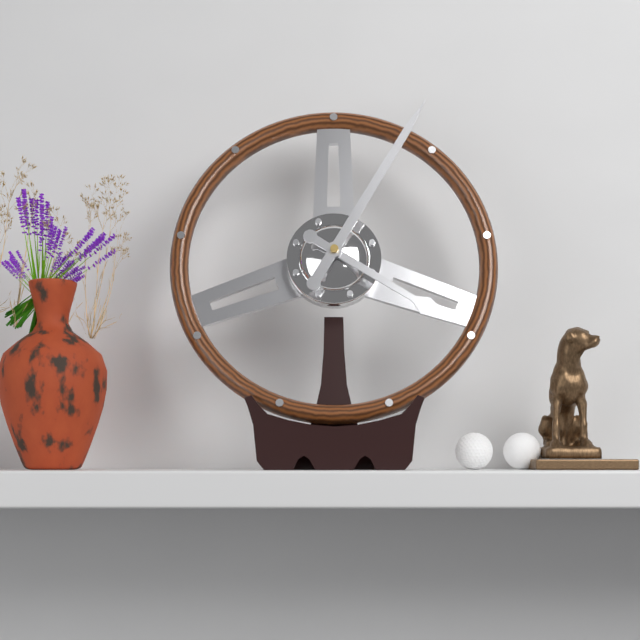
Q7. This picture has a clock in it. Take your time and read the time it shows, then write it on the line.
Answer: 4:05
